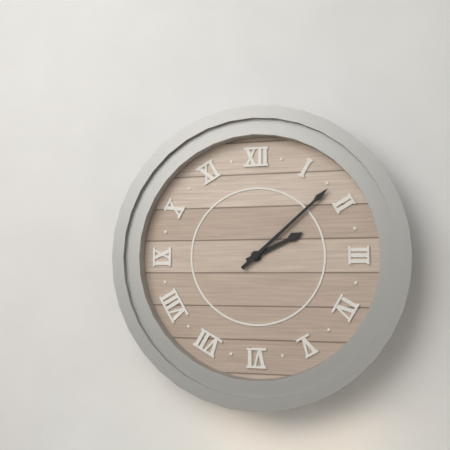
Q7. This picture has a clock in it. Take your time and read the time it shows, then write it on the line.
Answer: 2:08
